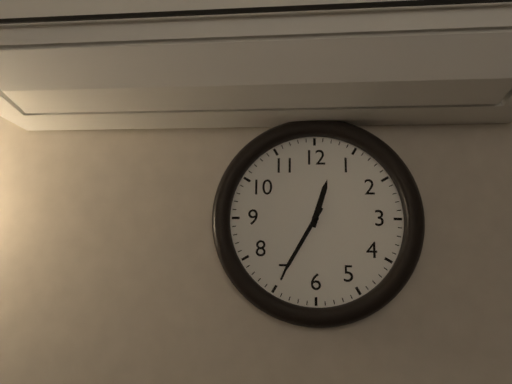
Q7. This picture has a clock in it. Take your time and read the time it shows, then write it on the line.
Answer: 12:35
